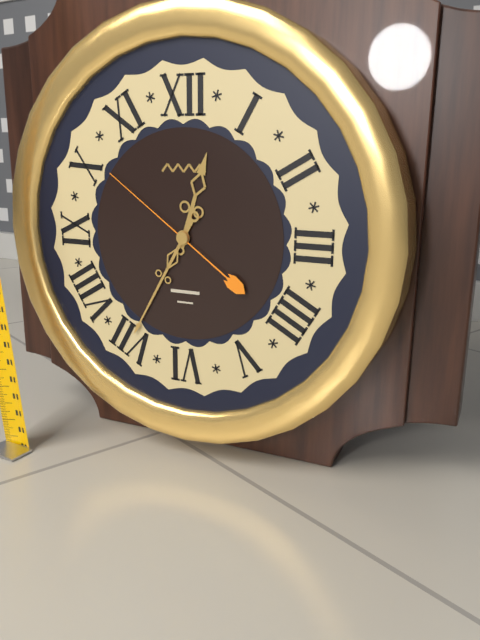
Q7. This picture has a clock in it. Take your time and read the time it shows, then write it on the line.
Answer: 12:35:51
